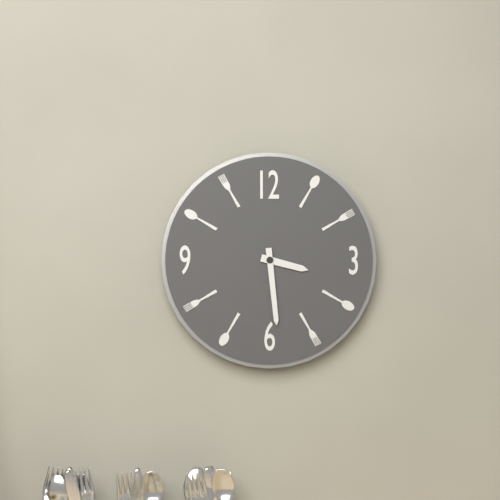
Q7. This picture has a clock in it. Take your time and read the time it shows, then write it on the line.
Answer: 3:29
